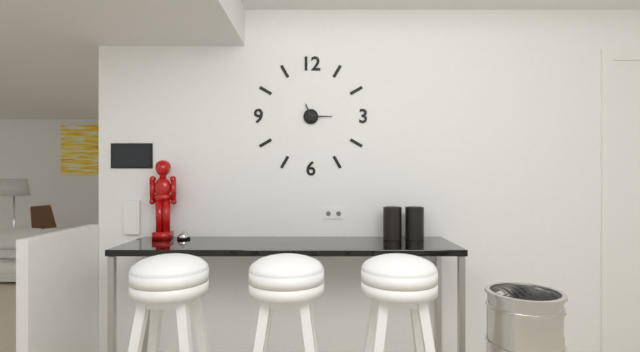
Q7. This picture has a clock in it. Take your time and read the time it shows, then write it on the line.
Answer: 11:15
